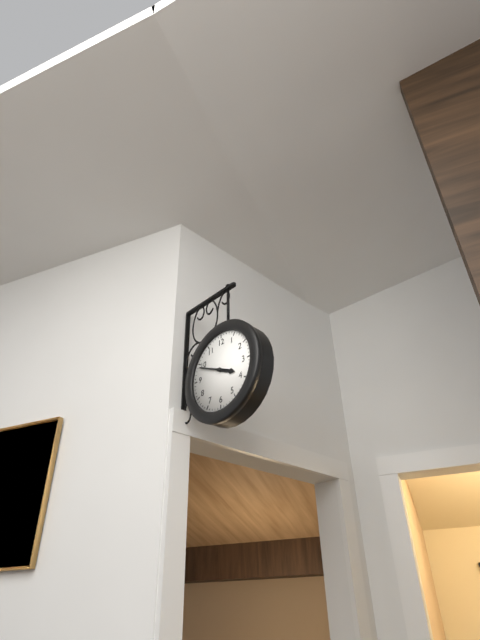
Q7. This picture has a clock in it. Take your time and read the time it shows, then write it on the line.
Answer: 3:49
